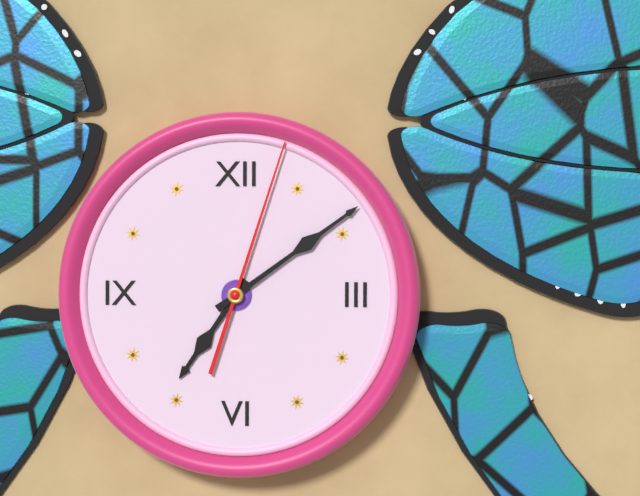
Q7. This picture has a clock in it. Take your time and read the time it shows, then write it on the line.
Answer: 7:09:03
